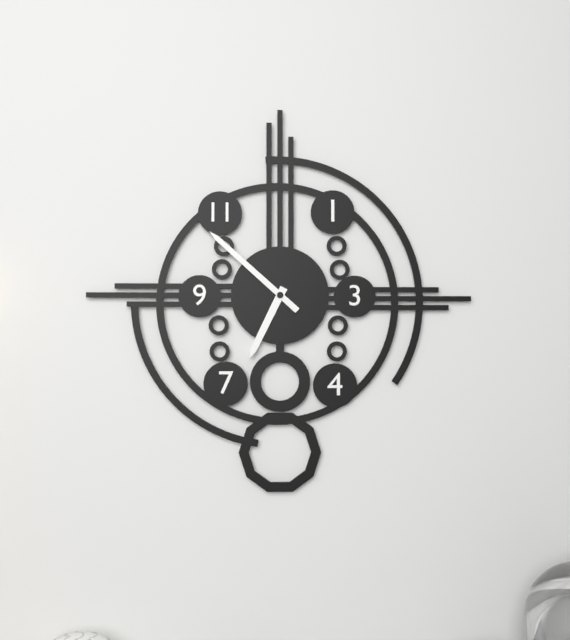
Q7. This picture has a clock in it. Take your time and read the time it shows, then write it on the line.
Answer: 6:52
